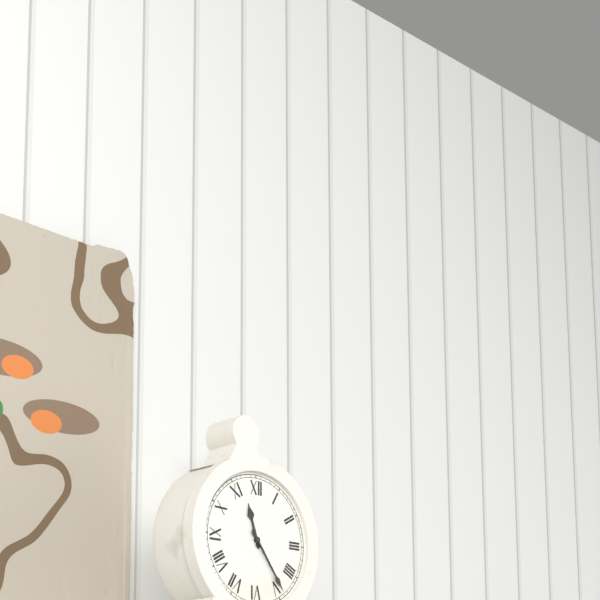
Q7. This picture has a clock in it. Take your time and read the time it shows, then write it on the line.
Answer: 11:24
